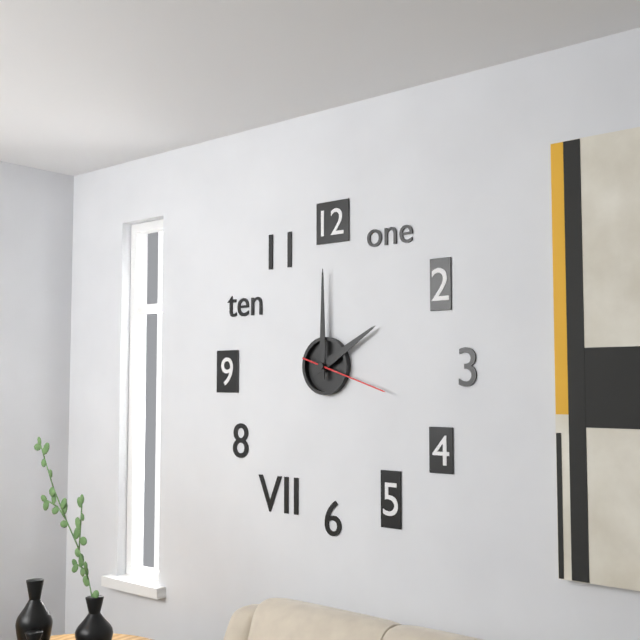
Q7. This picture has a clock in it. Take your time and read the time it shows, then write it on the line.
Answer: 2:00:18
